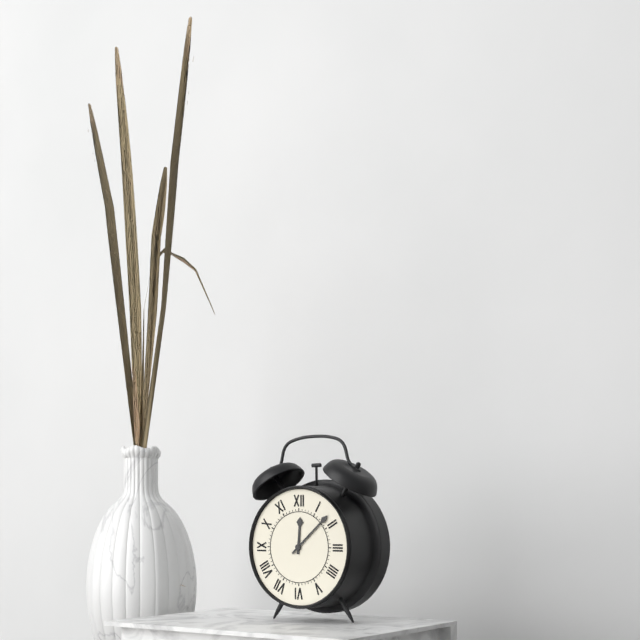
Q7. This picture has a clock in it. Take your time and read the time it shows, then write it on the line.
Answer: 12:08
